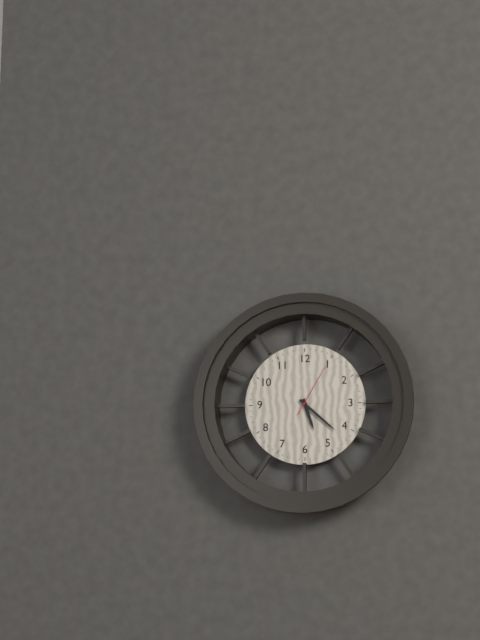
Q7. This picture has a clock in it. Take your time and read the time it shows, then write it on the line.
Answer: 5:22:05
